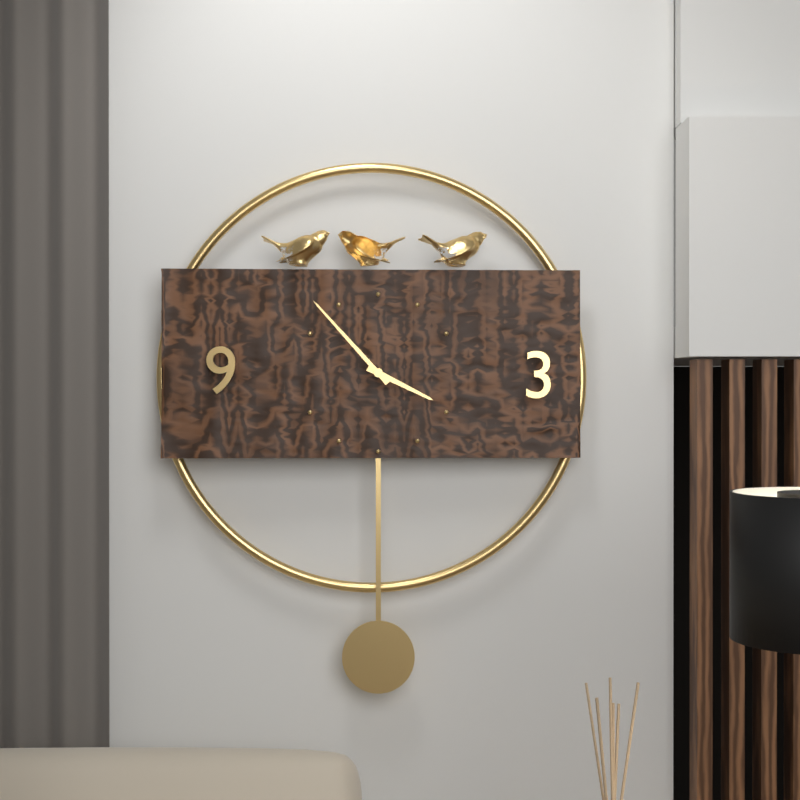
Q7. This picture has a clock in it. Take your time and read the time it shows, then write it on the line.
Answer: 3:53
